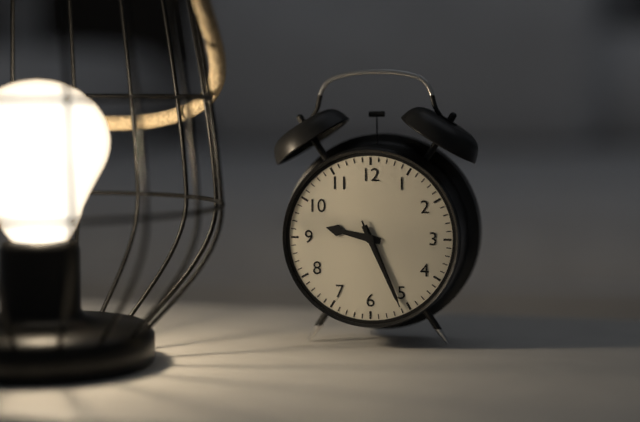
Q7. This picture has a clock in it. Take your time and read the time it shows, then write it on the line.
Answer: 9:26:26
